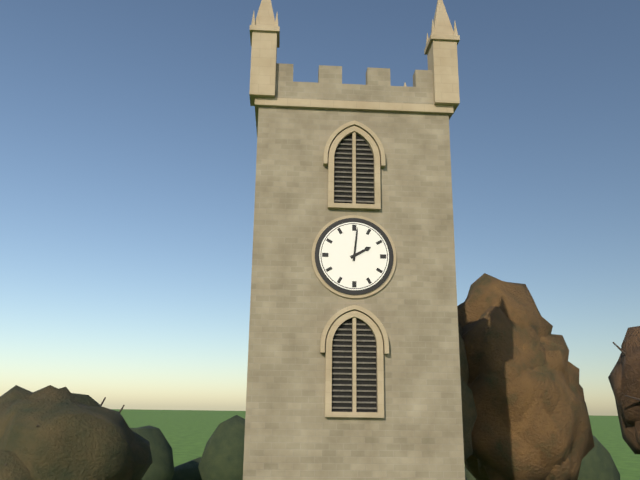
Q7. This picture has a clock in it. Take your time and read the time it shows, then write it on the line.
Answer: 2:01
